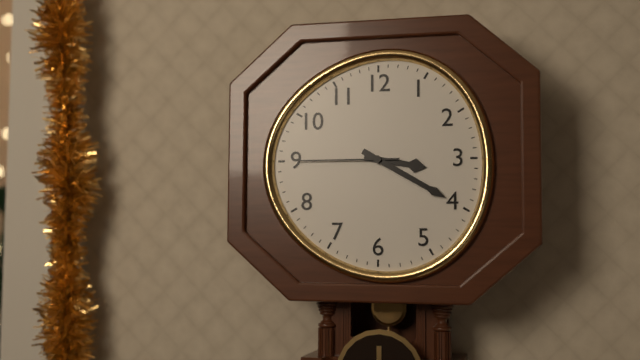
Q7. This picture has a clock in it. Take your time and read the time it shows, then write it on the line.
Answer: 3:20:45
